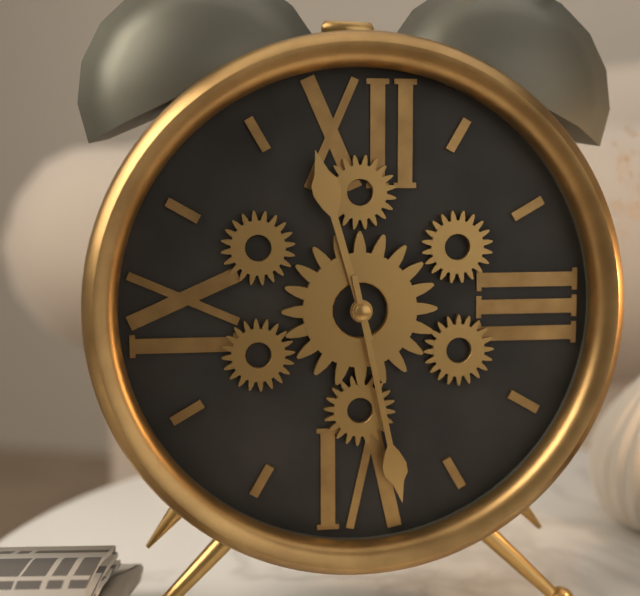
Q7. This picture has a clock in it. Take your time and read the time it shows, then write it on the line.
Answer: 11:28
